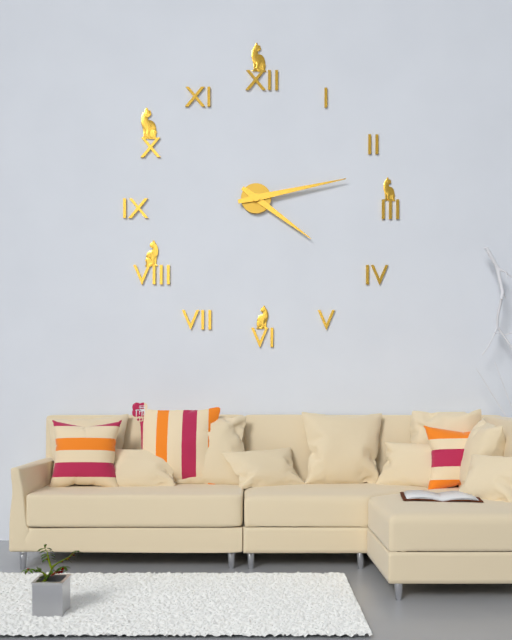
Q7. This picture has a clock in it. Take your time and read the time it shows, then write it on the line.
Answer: 4:13
